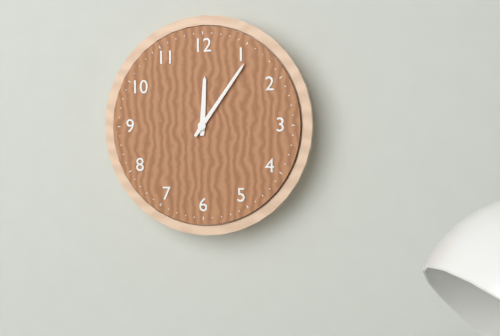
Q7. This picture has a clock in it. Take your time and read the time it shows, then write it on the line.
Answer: 12:06
